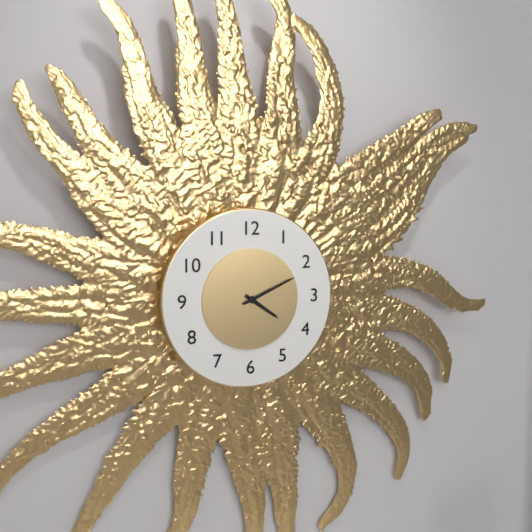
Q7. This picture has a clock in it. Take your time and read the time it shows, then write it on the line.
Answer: 4:11
